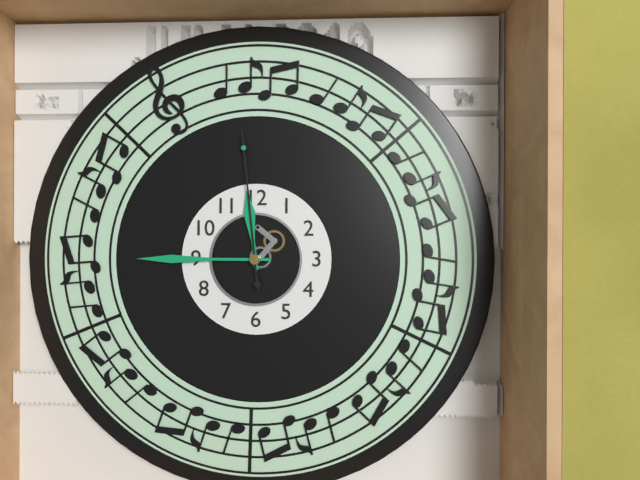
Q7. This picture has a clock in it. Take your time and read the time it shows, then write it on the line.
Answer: 11:45:59
